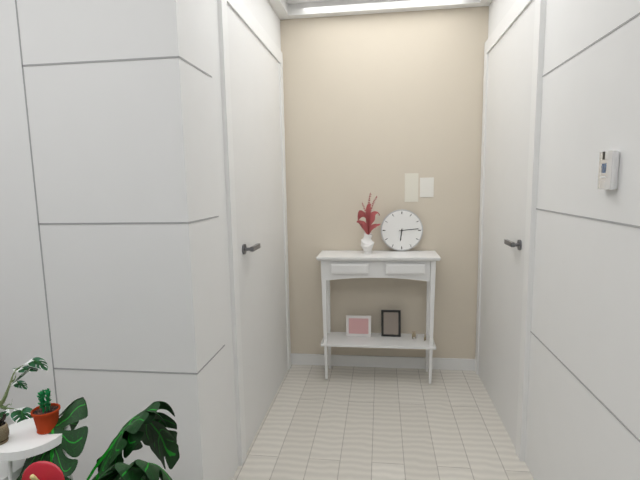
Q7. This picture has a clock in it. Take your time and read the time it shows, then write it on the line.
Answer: 6:14
